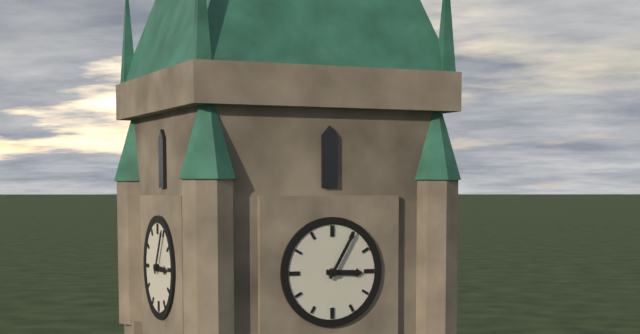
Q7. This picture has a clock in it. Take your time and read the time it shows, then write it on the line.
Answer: 3:05
